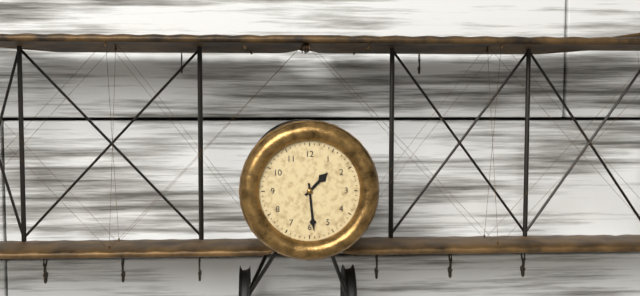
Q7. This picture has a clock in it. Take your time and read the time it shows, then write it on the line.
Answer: 1:29
